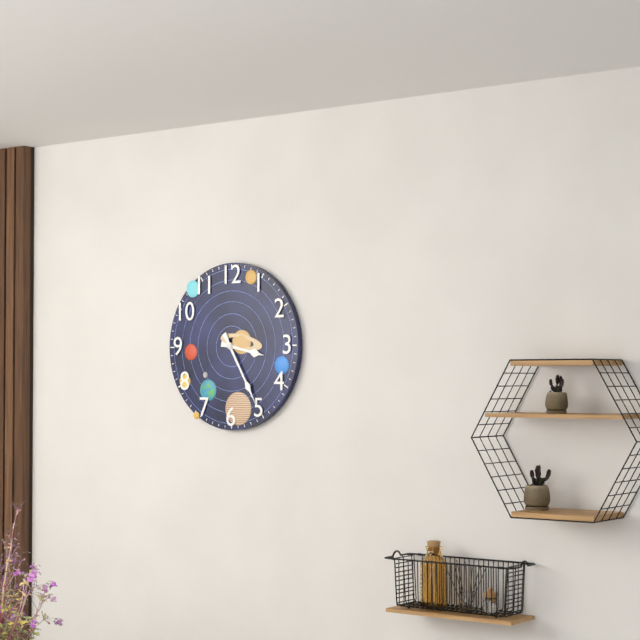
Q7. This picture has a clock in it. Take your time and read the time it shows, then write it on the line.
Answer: 3:25
